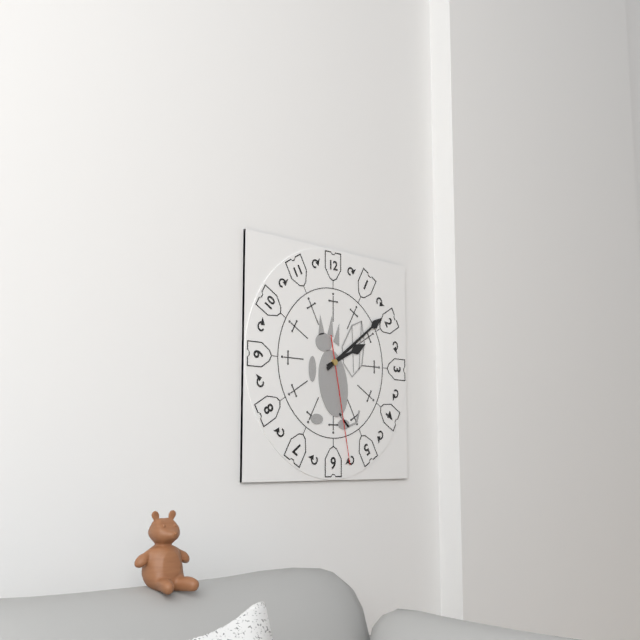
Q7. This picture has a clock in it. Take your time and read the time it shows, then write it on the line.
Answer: 2:09:28
